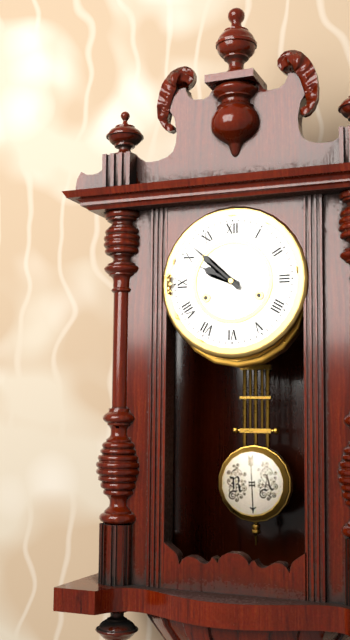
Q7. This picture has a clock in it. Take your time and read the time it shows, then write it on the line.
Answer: 9:52
